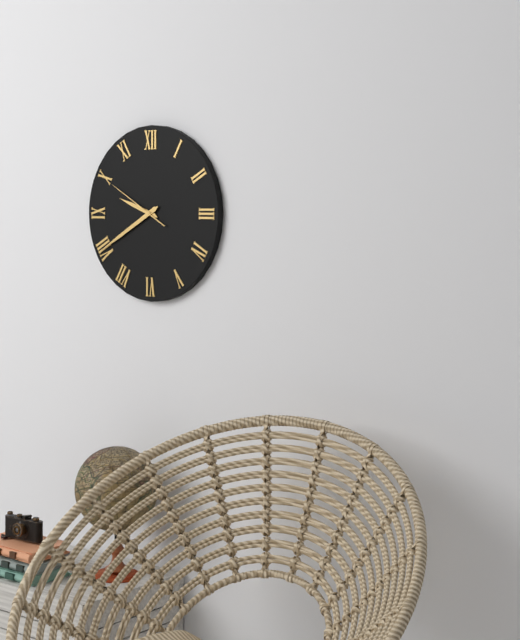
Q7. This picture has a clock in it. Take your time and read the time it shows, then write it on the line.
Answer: 9:40:50
